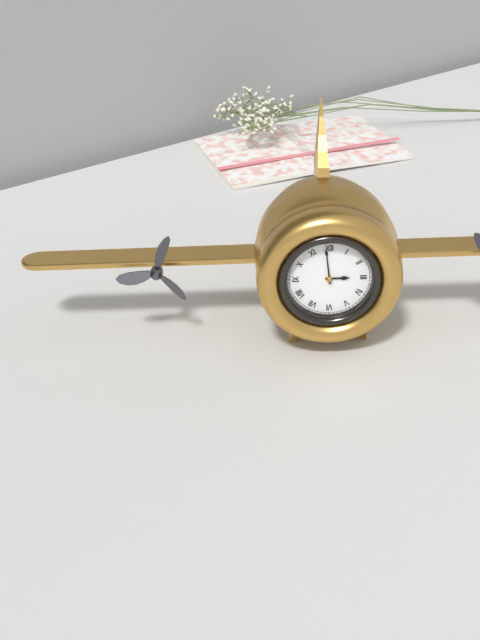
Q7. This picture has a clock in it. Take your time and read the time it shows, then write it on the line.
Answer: 2:59
